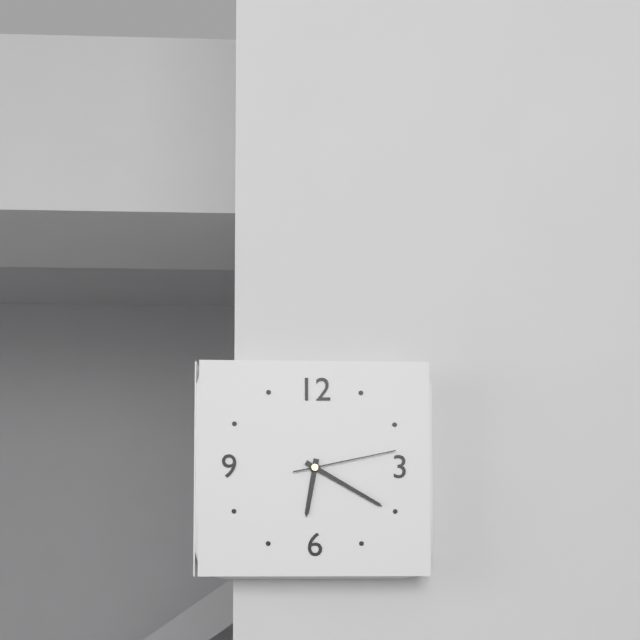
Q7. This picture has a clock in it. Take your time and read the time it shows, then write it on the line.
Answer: 6:20:13
